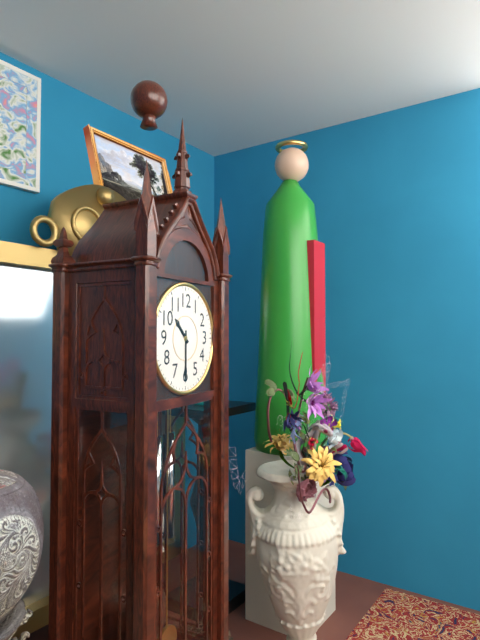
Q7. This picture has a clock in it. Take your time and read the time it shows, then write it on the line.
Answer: 10:30
